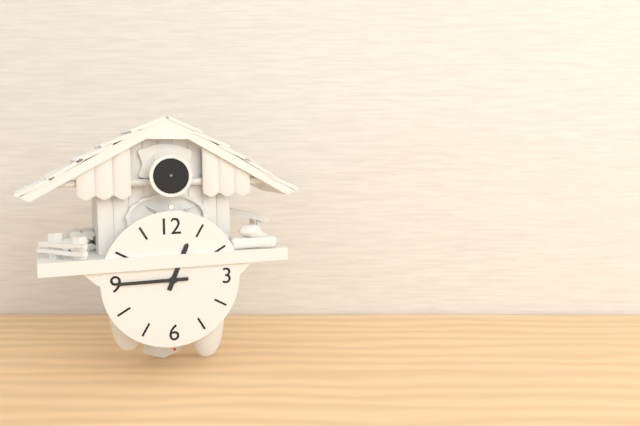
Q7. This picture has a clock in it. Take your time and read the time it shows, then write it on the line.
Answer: 12:45
